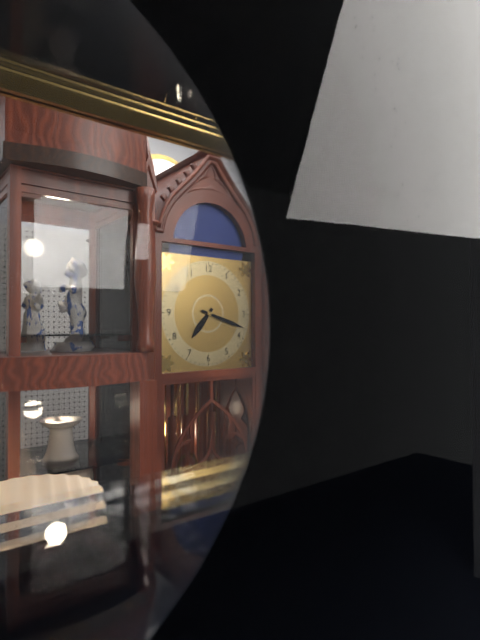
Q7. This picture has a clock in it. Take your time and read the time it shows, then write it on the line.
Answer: 7:18
